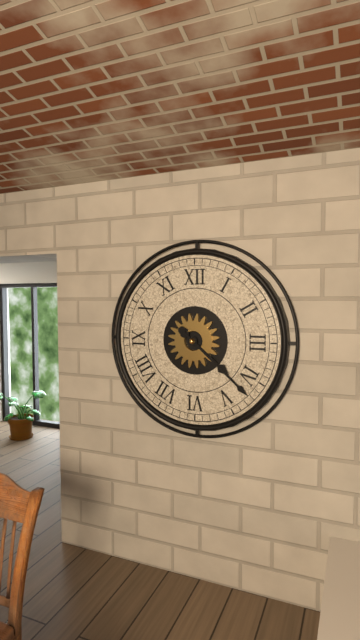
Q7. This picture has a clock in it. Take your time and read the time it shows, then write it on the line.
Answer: 4:22
